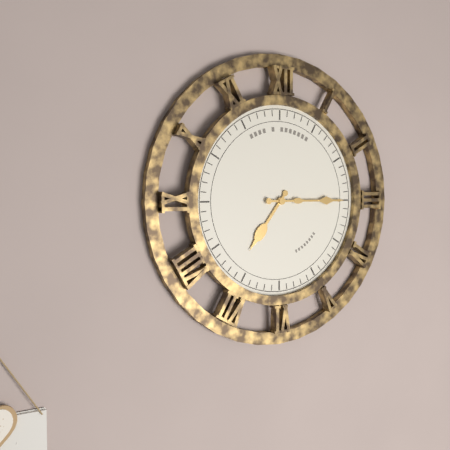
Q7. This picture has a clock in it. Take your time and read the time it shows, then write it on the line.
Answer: 7:15
